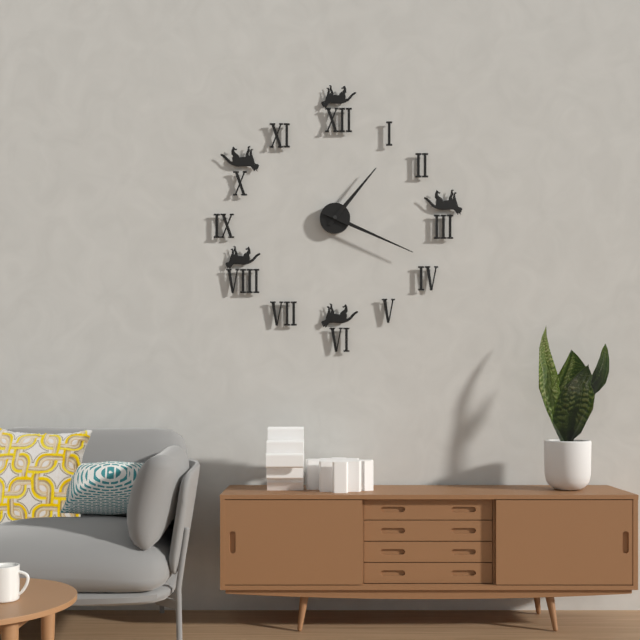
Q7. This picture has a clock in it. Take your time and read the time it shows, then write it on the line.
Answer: 1:19
